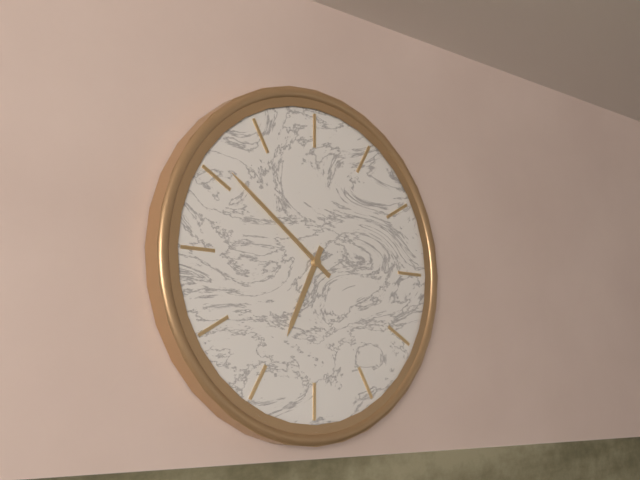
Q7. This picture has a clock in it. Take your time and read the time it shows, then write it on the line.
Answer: 6:51
